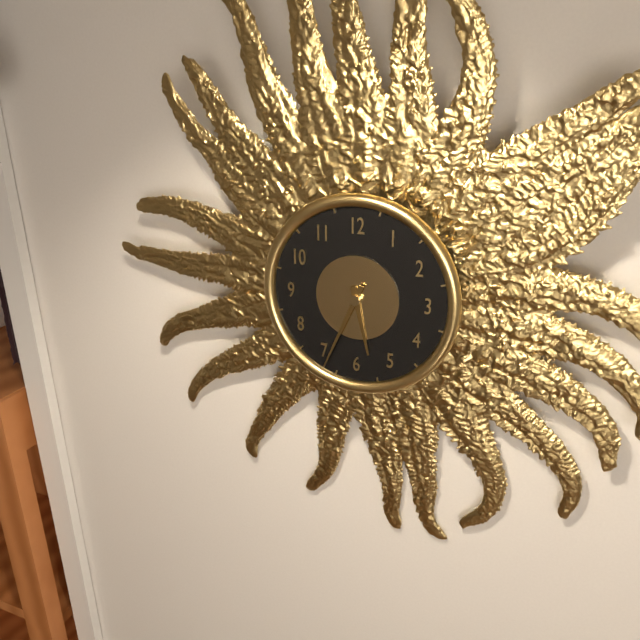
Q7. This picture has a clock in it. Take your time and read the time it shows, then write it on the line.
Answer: 5:34
